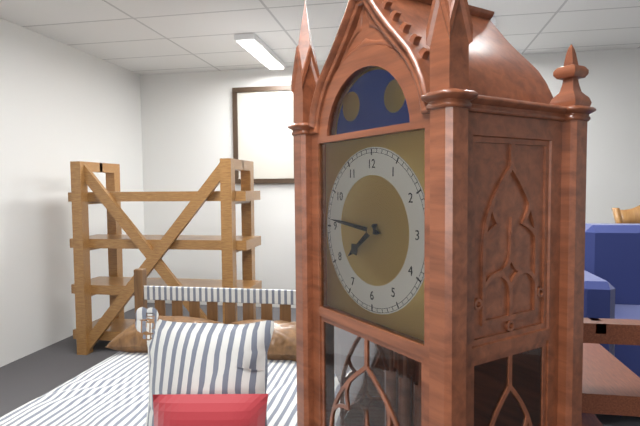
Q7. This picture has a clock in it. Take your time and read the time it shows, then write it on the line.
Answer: 7:46
